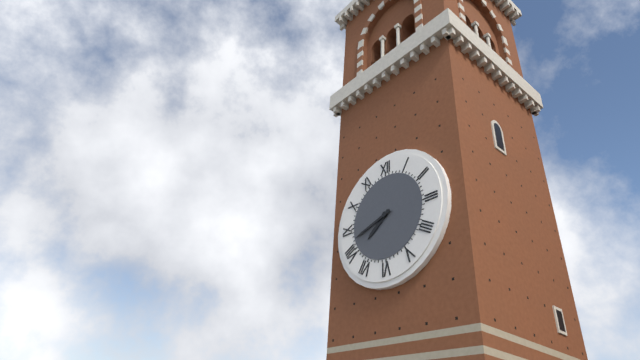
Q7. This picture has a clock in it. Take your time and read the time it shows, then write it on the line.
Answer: 7:42
